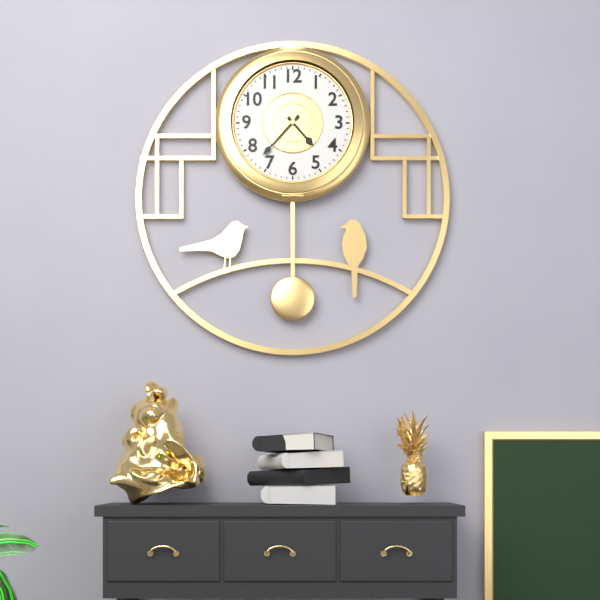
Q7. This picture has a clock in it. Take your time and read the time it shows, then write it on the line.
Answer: 4:37
